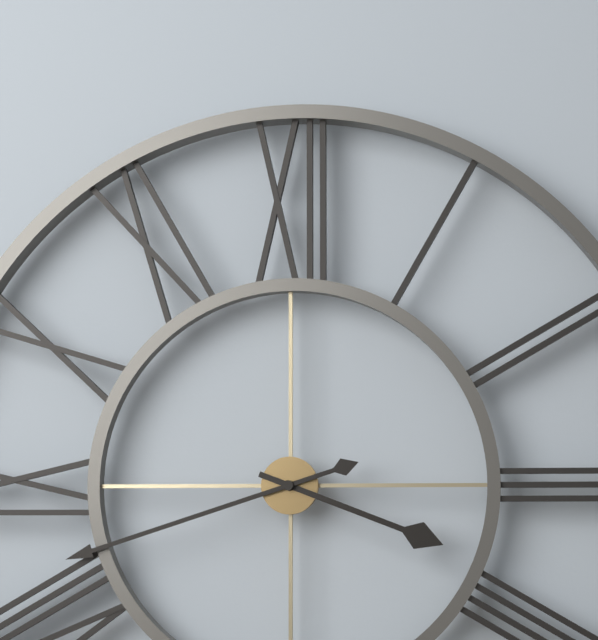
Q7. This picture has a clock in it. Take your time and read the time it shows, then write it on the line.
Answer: 3:42
